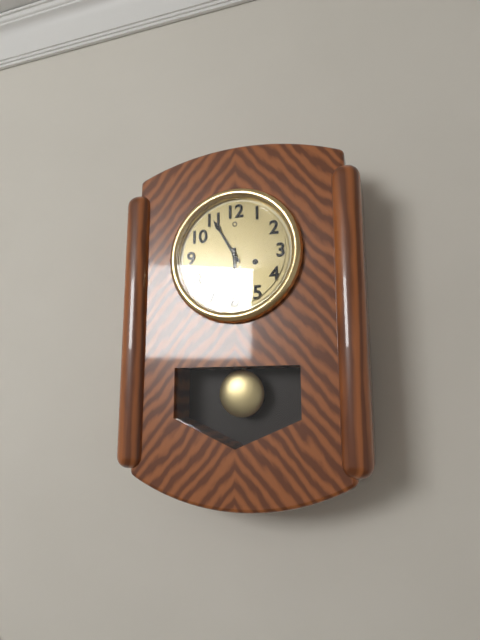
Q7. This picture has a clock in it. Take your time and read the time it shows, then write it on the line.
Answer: 5:55
